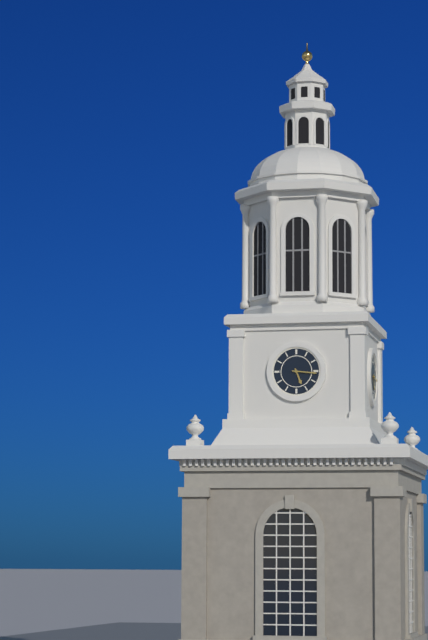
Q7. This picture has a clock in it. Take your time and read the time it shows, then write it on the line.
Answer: 5:16
